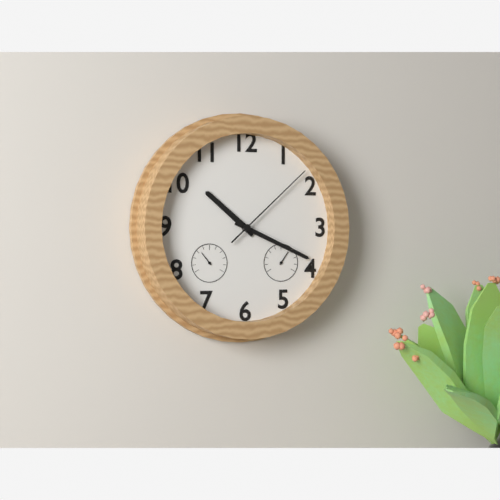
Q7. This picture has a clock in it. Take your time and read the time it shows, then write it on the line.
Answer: 10:19:08
